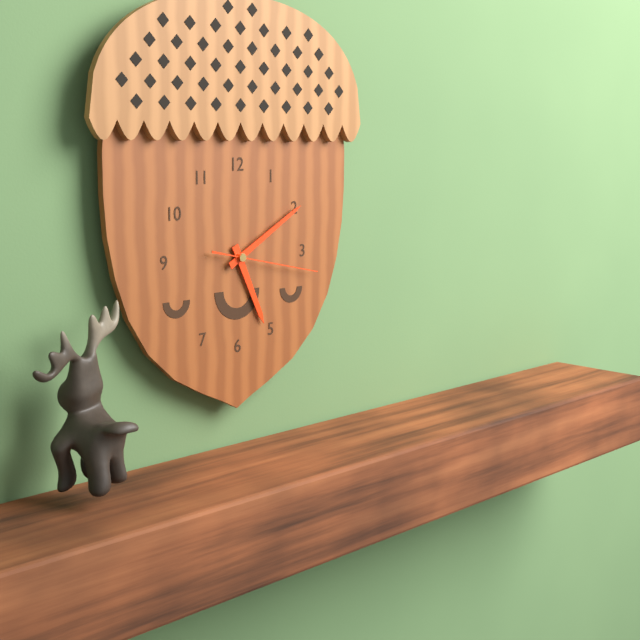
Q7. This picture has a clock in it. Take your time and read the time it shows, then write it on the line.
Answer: 5:10:17
